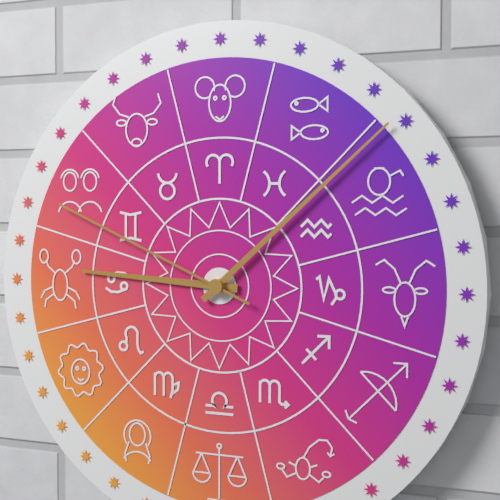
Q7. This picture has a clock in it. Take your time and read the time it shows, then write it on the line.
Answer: 9:08:49
